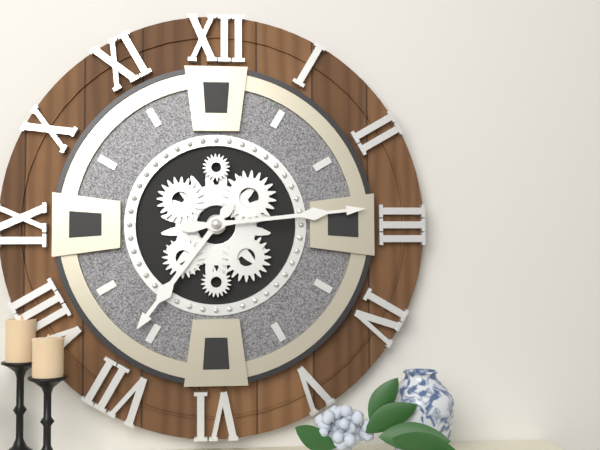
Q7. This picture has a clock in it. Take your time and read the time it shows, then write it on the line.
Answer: 7:14
